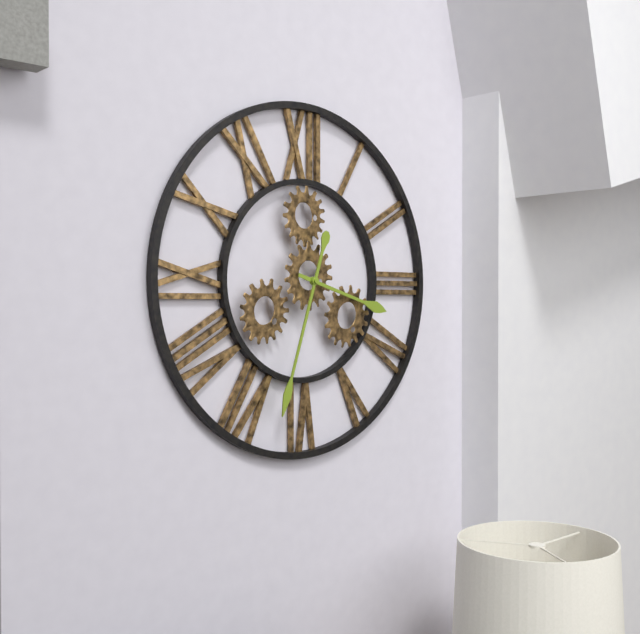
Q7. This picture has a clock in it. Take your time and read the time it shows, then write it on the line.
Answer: 3:33
